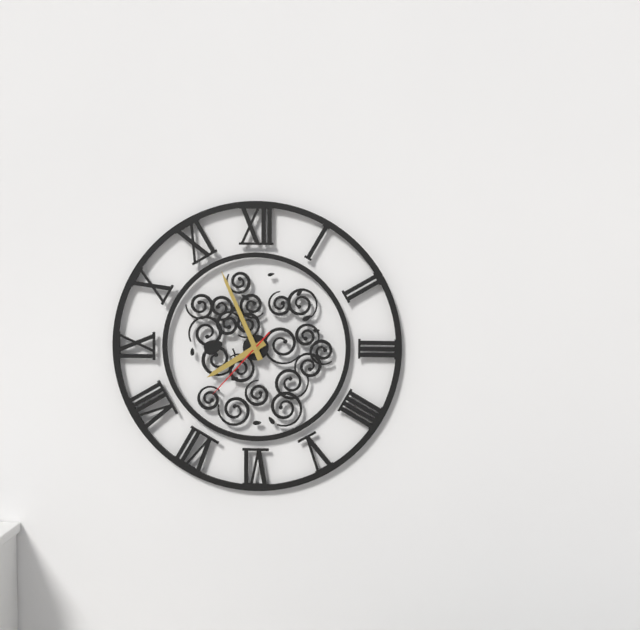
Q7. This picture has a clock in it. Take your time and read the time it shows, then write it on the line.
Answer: 7:56:37
